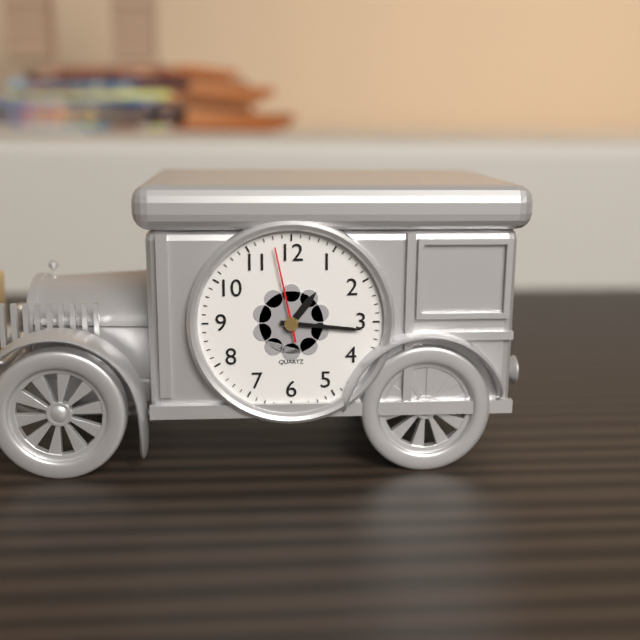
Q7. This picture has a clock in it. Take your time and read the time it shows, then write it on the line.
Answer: 1:16:58
